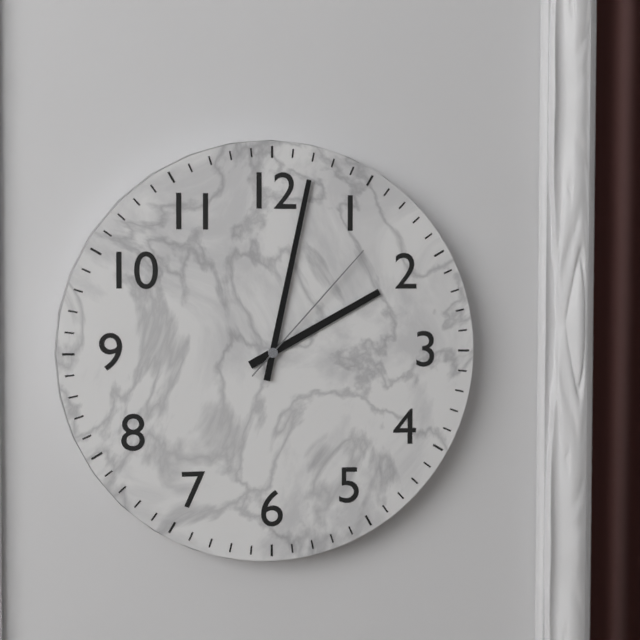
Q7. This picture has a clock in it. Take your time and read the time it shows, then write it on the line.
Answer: 2:02:07
